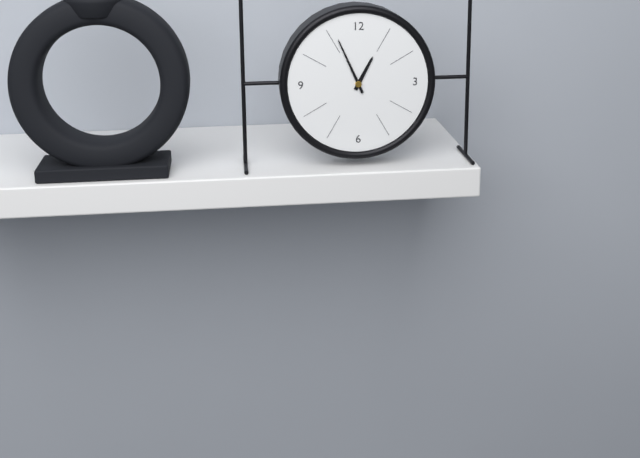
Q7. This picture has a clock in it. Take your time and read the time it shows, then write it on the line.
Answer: 12:56
